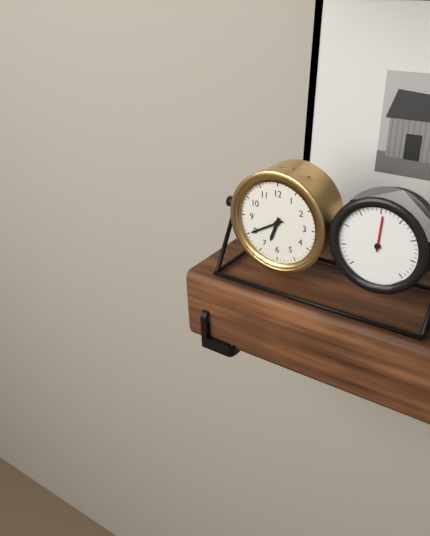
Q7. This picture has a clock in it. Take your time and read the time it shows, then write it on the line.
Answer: 6:40
